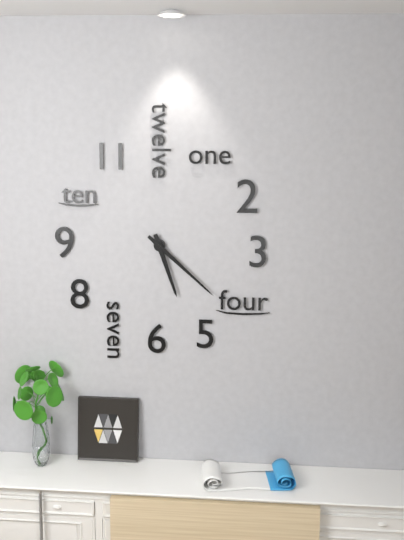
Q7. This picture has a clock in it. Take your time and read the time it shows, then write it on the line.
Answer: 5:22
